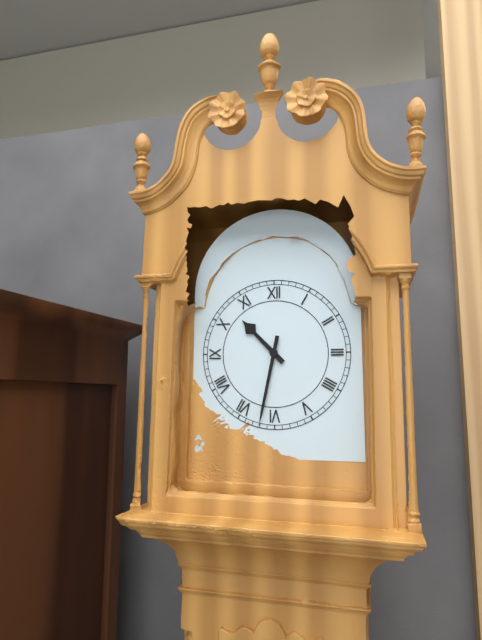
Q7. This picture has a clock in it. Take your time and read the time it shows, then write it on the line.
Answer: 10:32
